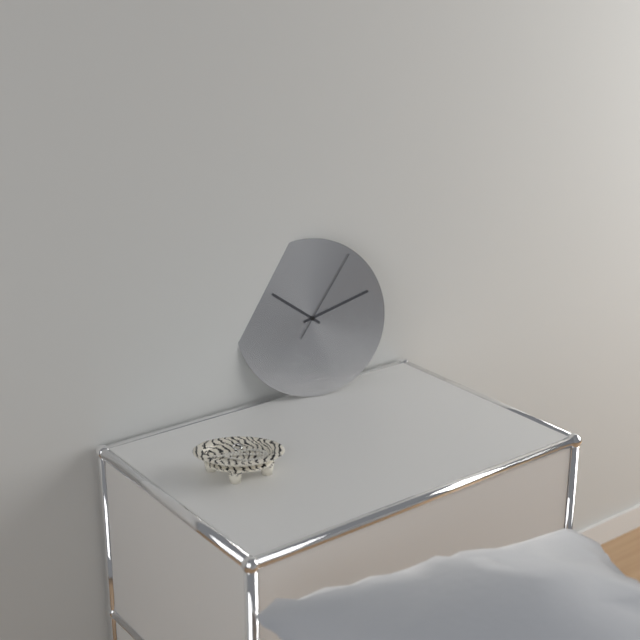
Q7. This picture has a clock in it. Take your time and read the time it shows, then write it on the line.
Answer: 10:12:06
